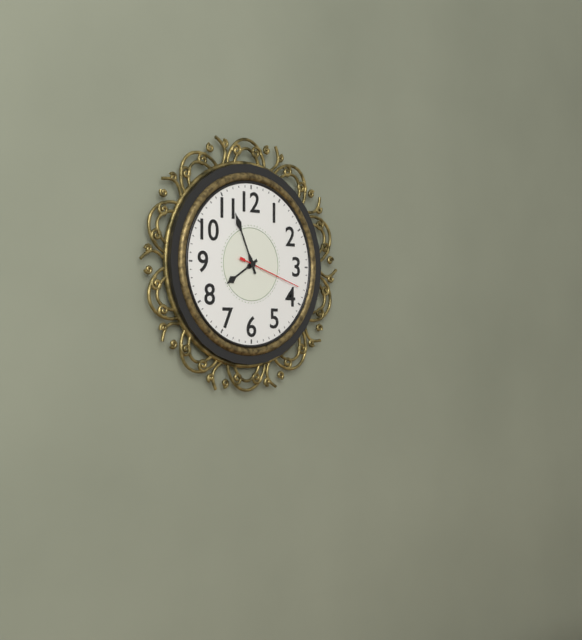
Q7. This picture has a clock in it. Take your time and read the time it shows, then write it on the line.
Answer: 7:56:18
